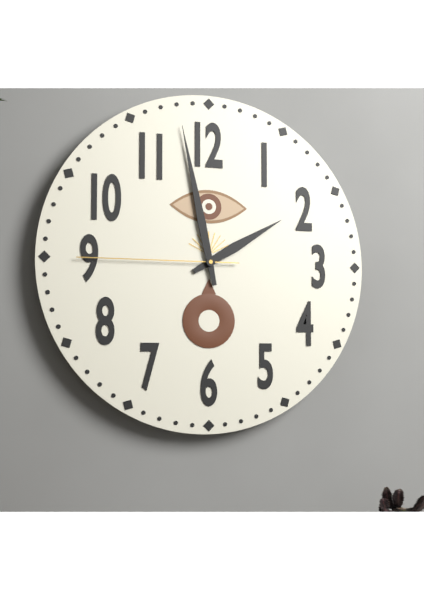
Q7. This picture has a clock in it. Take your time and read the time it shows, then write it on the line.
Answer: 1:58:45
